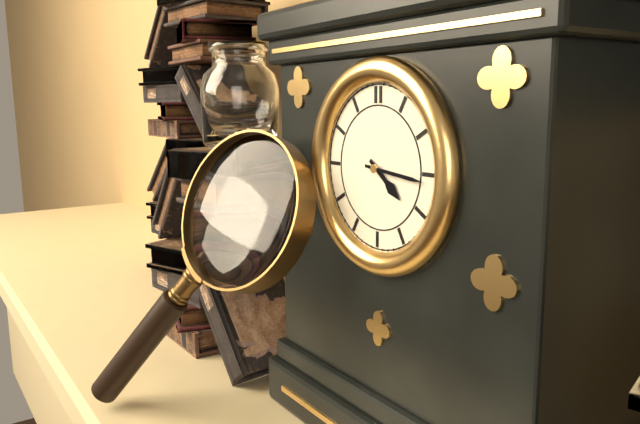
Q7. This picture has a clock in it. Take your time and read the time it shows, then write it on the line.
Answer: 4:16
